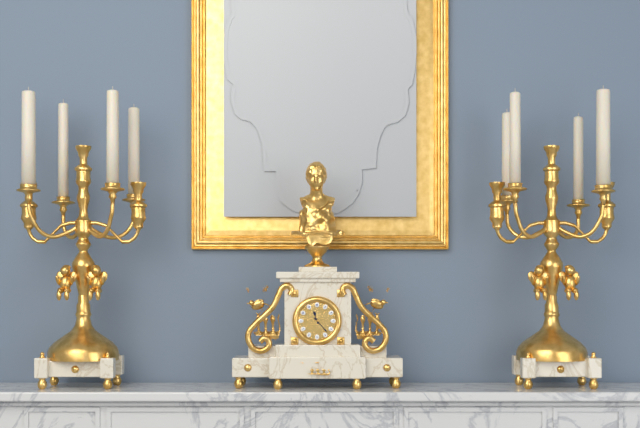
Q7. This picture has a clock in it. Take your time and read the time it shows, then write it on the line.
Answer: 11:23
